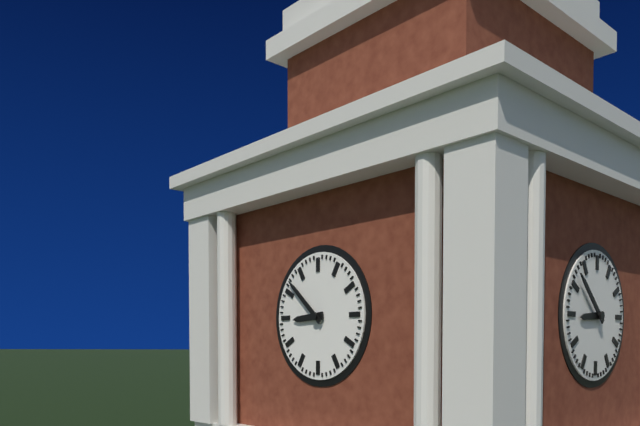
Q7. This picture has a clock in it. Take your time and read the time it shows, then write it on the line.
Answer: 8:52
